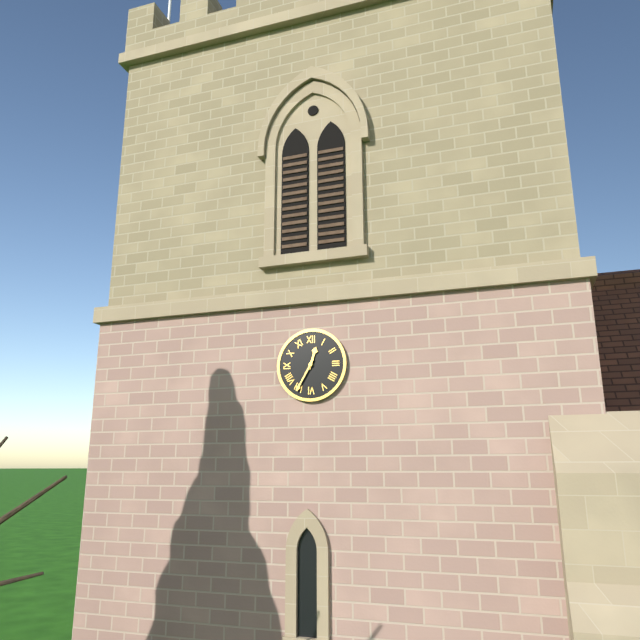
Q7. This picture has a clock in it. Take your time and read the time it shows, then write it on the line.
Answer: 12:35
